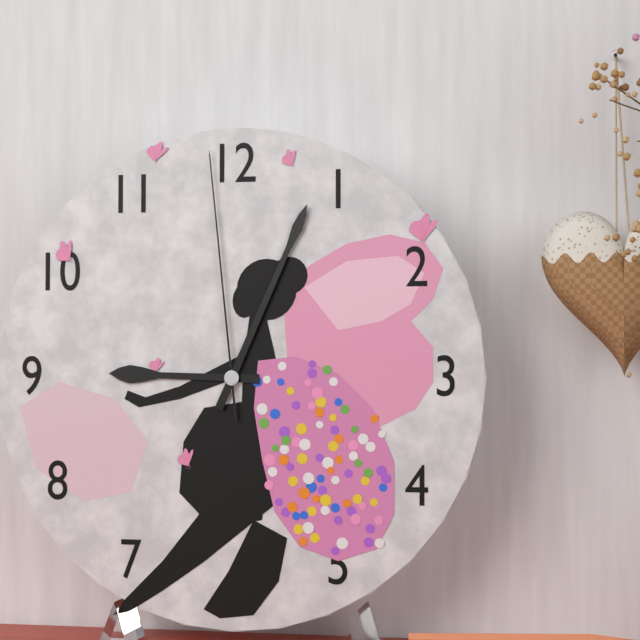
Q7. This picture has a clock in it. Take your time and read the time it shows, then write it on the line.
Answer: 9:04:59
